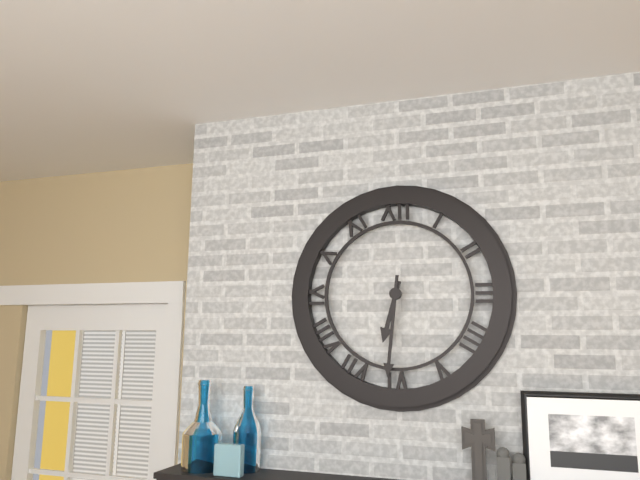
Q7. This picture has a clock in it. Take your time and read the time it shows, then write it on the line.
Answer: 6:31
